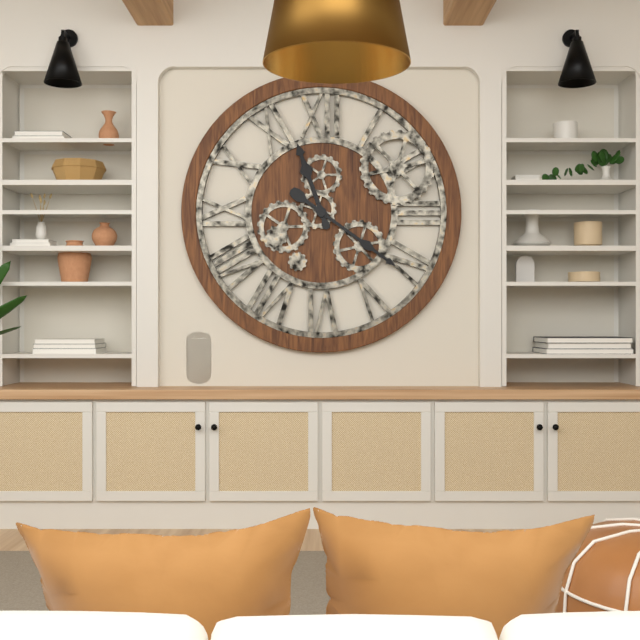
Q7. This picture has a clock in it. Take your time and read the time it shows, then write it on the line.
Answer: 11:21
